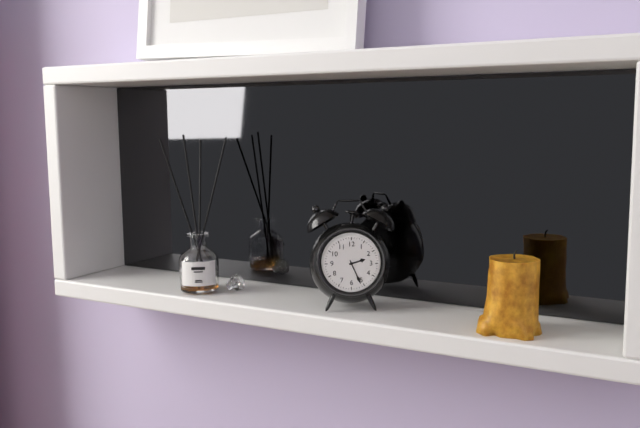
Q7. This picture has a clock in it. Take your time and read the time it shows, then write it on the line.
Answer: 2:26
